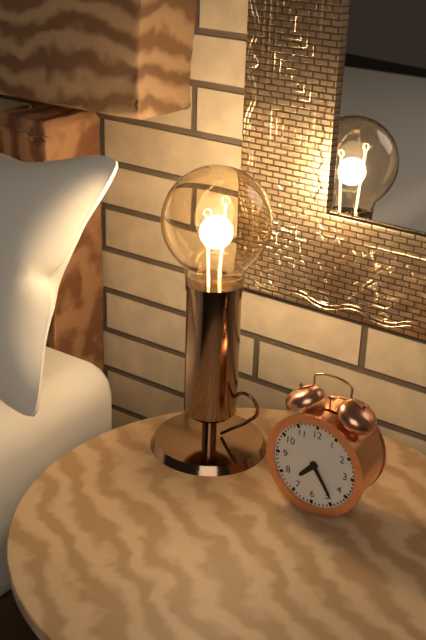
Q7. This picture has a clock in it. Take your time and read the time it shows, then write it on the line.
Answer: 7:24
